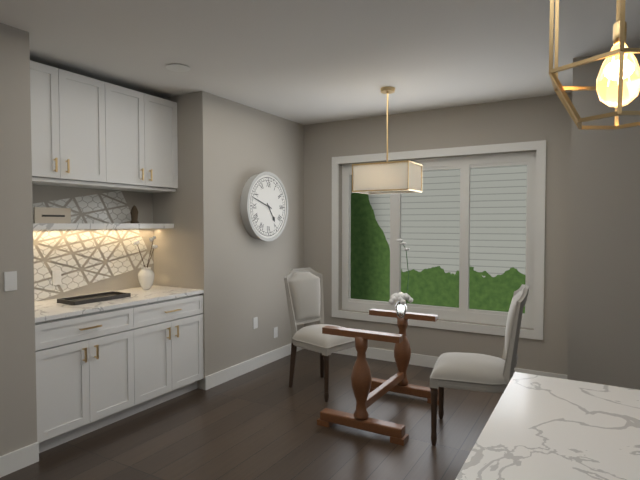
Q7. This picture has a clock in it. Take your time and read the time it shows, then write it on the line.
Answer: 4:48
